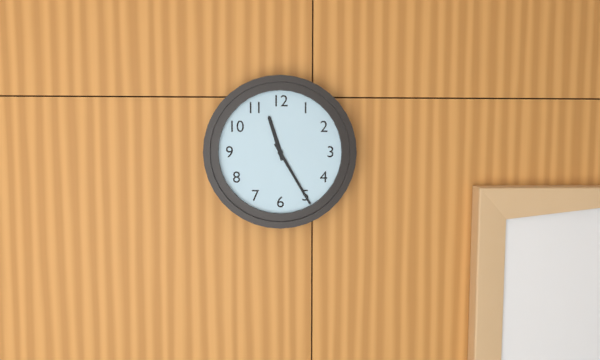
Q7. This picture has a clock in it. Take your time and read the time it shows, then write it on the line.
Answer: 11:25
